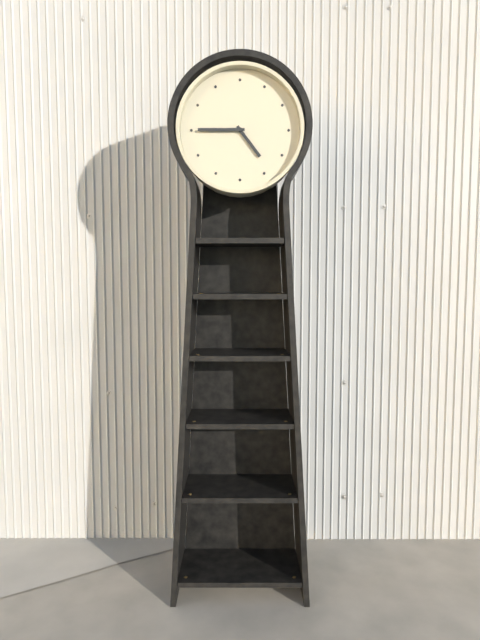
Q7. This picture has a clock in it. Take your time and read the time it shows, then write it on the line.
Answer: 4:45
